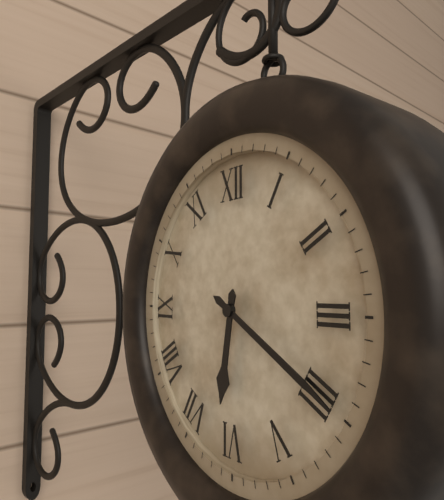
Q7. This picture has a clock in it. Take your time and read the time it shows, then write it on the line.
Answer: 6:20
